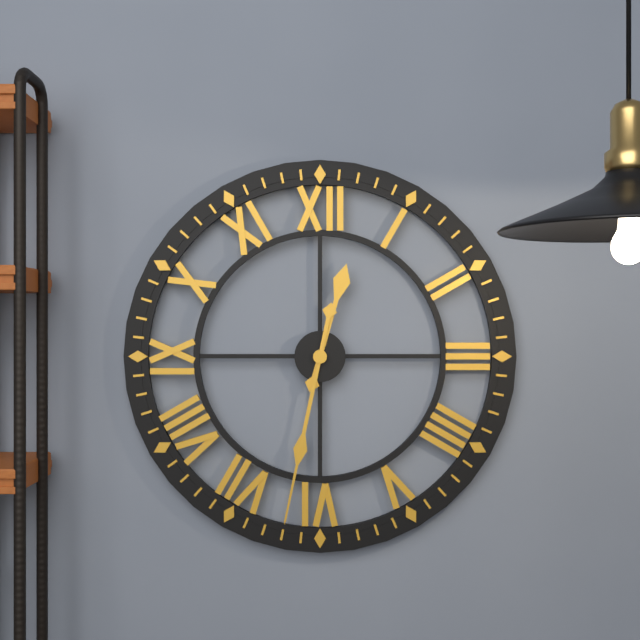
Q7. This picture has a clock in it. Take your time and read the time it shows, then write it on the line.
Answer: 12:32
